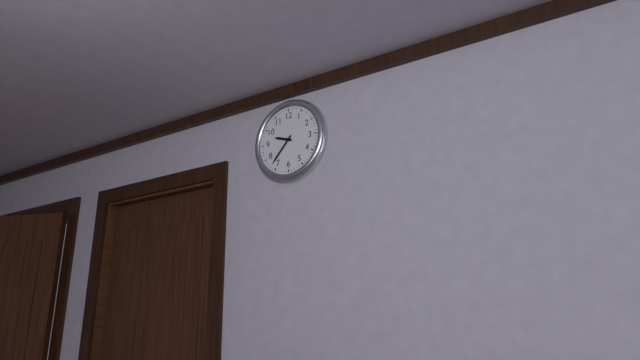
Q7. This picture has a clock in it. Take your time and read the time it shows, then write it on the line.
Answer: 9:37
